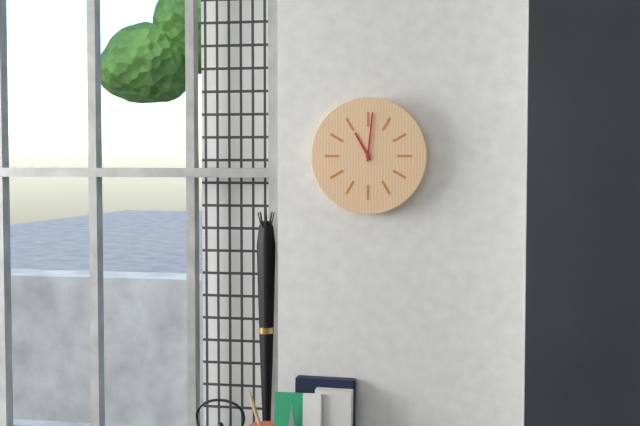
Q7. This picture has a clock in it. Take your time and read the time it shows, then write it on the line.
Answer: 11:01
